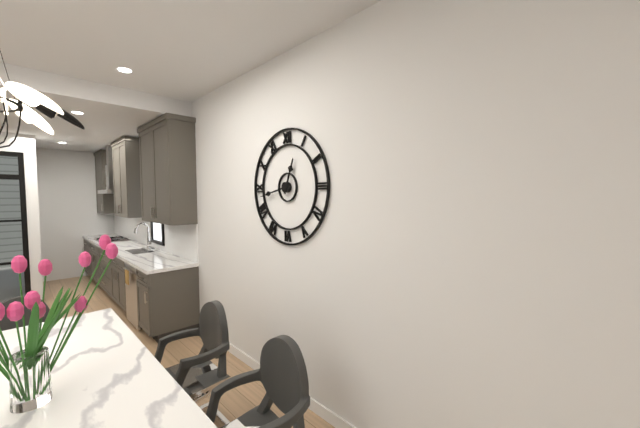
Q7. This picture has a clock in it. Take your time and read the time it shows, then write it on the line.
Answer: 12:43
